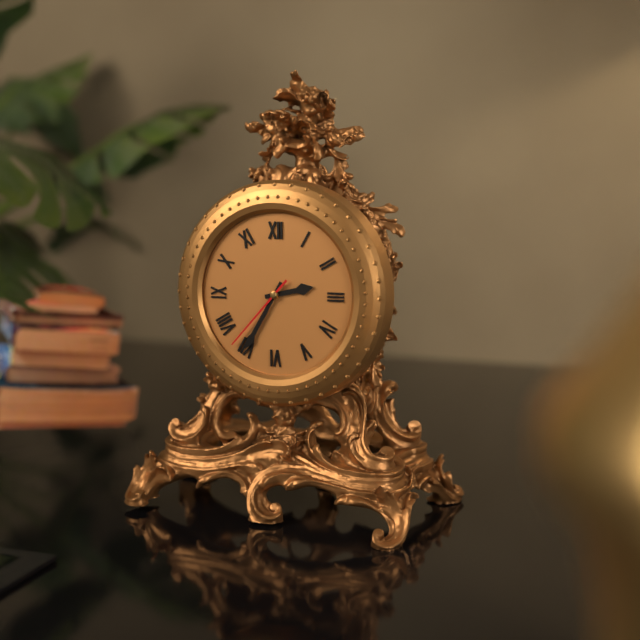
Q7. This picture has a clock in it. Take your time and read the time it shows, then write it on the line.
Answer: 2:35:37
